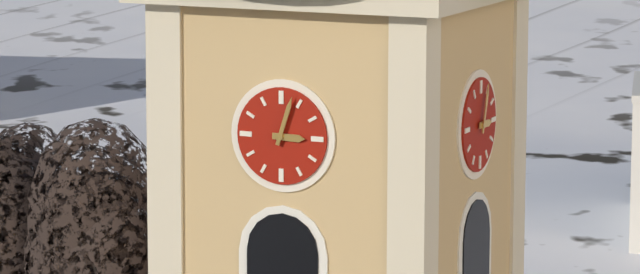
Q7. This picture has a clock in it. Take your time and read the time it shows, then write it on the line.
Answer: 3:03
